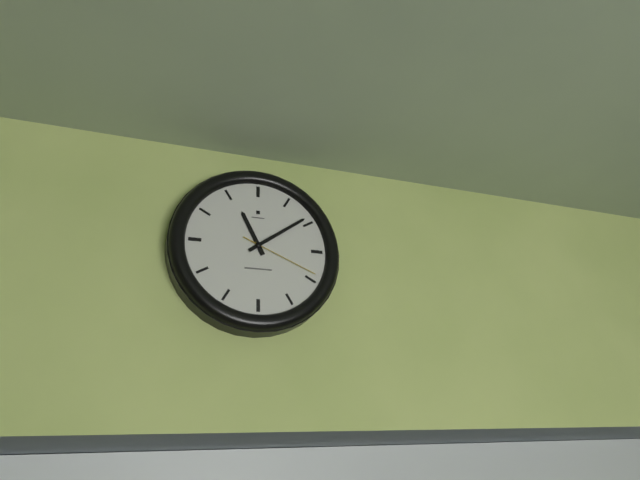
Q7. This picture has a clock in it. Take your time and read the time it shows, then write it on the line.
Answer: 11:09:19
